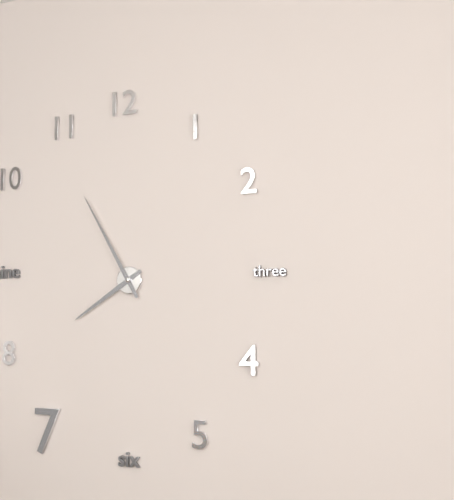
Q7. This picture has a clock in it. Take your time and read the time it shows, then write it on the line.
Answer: 7:55
